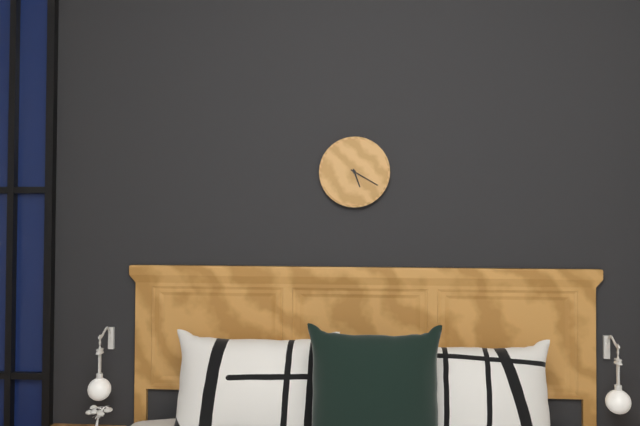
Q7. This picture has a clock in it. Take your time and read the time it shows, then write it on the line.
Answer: 5:20
